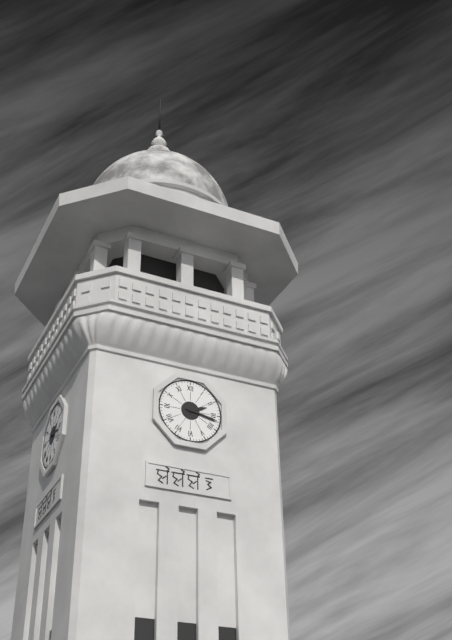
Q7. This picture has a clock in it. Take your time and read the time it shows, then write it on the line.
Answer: 2:17
